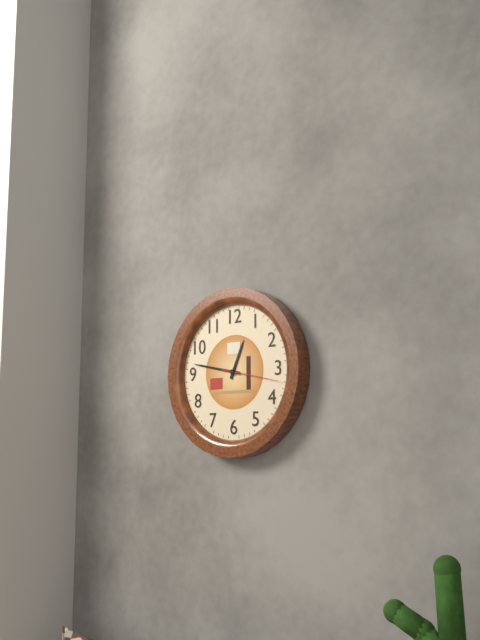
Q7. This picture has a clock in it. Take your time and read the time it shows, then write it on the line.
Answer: 12:47:17
